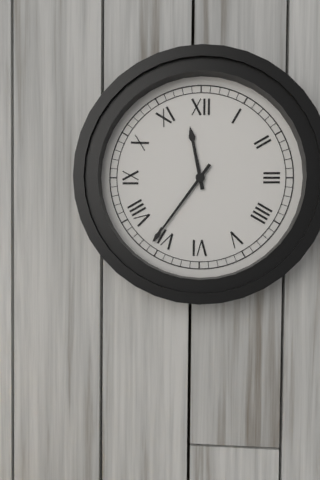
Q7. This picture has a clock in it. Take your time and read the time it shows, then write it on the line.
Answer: 11:36
